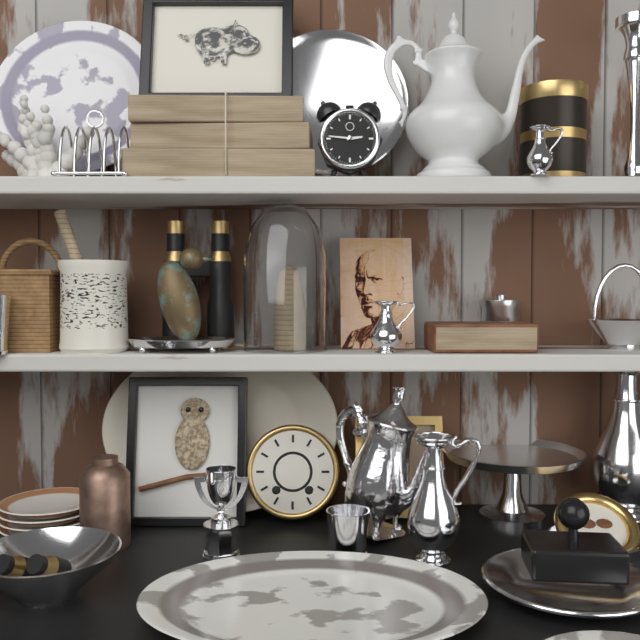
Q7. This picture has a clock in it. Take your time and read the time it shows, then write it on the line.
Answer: 2:46
